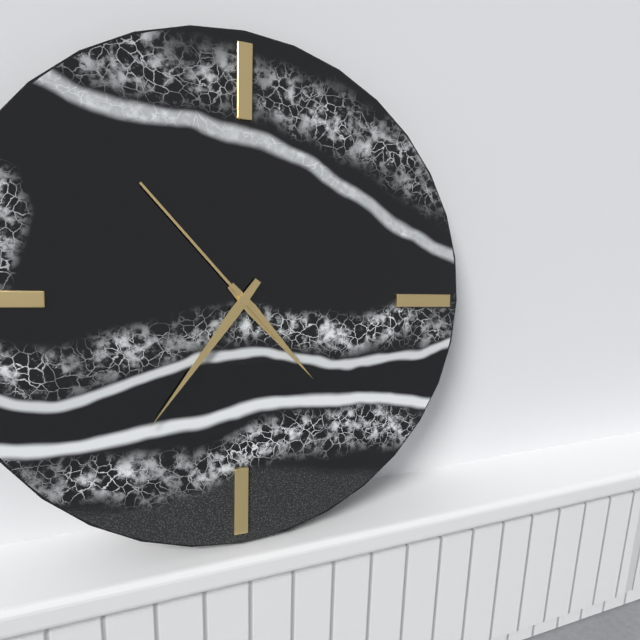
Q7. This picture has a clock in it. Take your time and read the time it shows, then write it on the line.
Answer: 4:36:53
